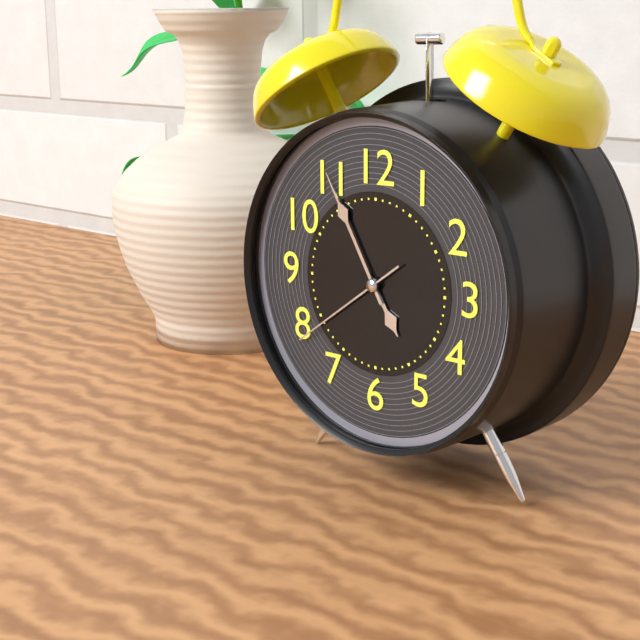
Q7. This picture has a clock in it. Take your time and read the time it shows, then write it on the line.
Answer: 4:55:39
